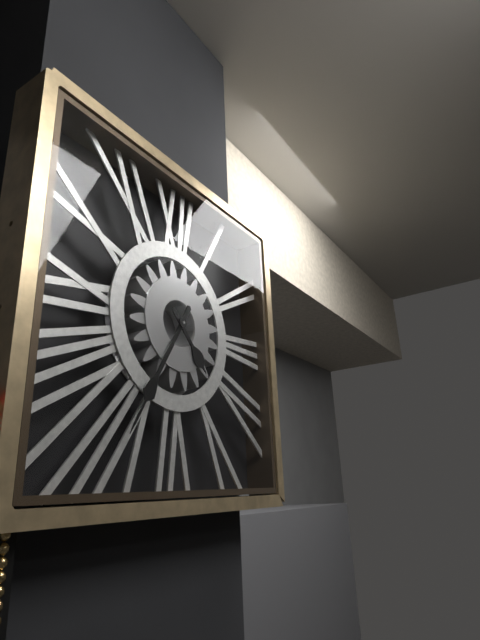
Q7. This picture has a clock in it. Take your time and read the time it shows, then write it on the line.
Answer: 4:35
